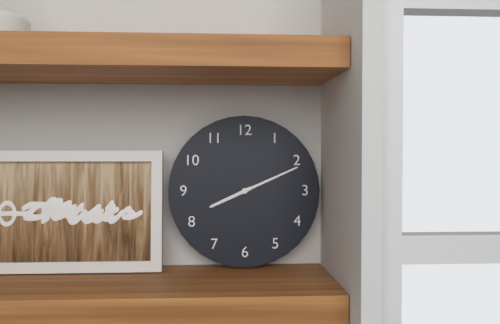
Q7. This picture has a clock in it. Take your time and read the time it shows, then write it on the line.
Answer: 8:11
